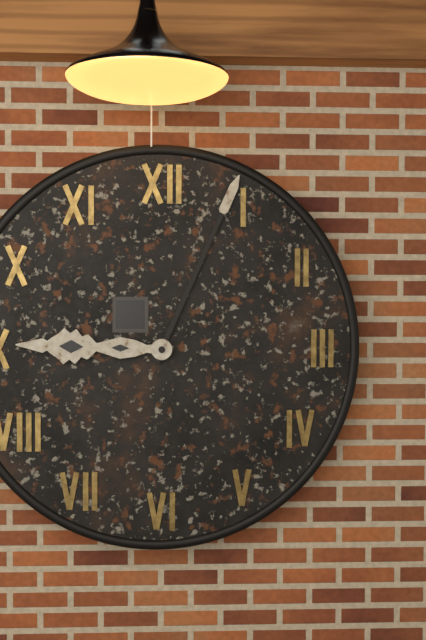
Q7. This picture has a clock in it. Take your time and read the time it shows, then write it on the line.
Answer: 9:04
